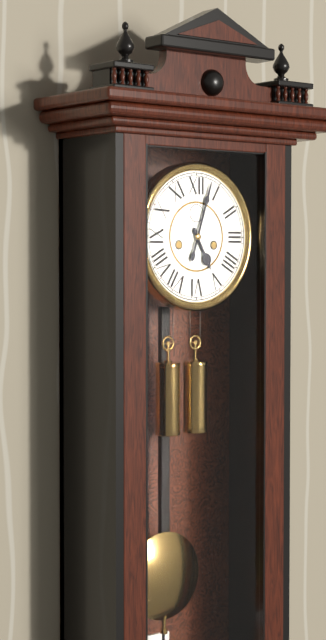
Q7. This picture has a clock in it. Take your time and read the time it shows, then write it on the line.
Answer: 5:03
